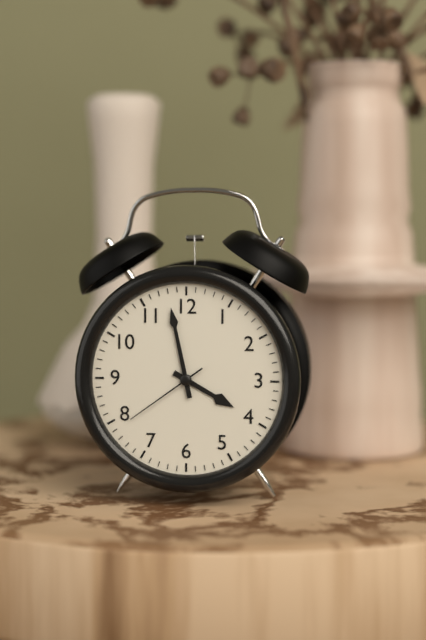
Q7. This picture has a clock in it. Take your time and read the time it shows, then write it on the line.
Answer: 3:58:39
